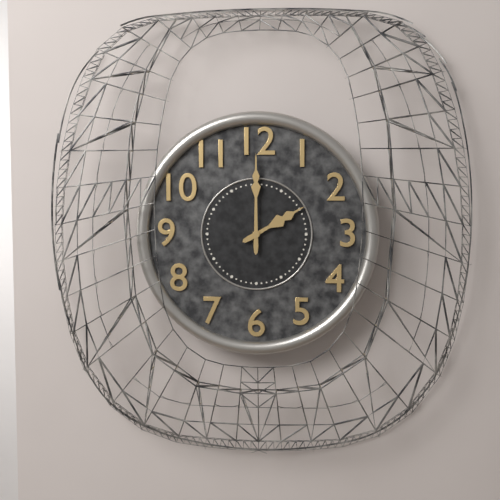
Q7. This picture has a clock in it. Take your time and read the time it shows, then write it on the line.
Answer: 2:00
